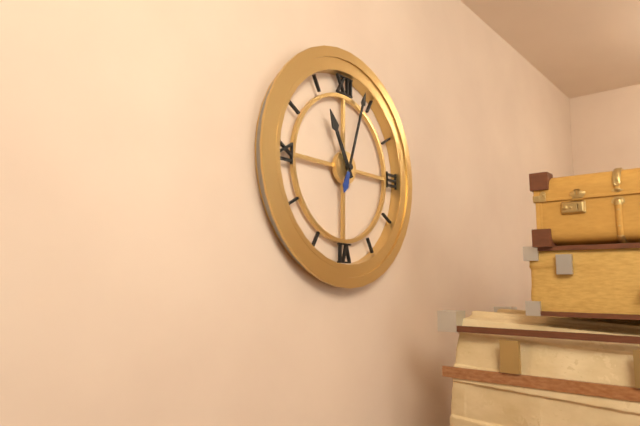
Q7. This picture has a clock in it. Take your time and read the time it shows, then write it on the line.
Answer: 11:03
